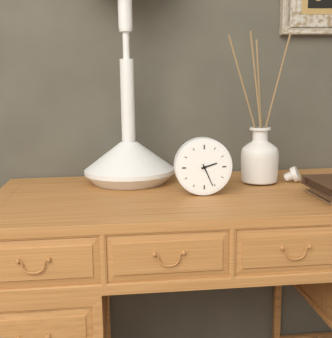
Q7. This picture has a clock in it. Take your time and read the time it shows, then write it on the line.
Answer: 2:26
